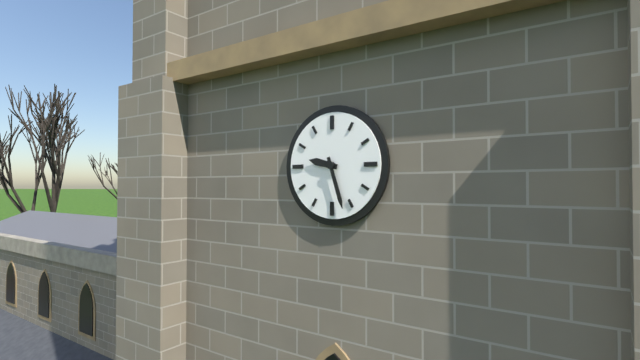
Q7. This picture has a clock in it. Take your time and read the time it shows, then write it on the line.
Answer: 9:27
